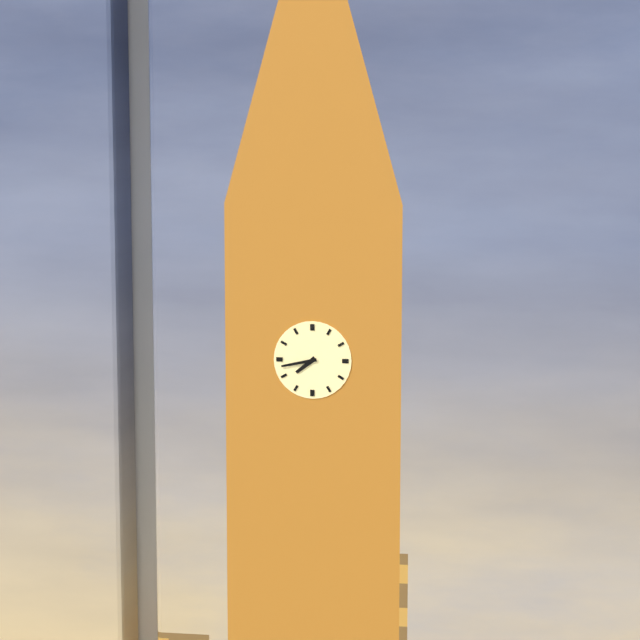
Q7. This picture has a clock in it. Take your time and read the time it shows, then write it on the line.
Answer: 7:43
